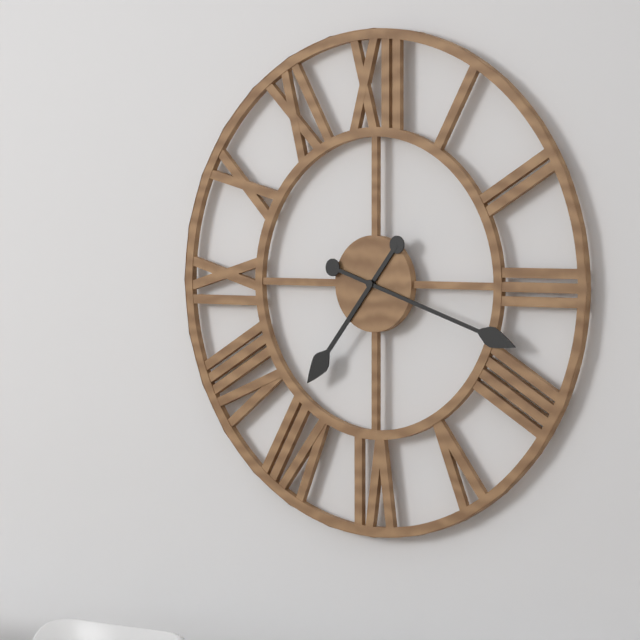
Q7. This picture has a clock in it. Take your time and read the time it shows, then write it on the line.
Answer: 7:18
